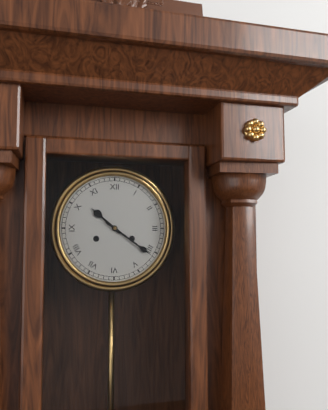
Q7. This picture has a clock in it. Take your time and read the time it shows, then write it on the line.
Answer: 10:21
